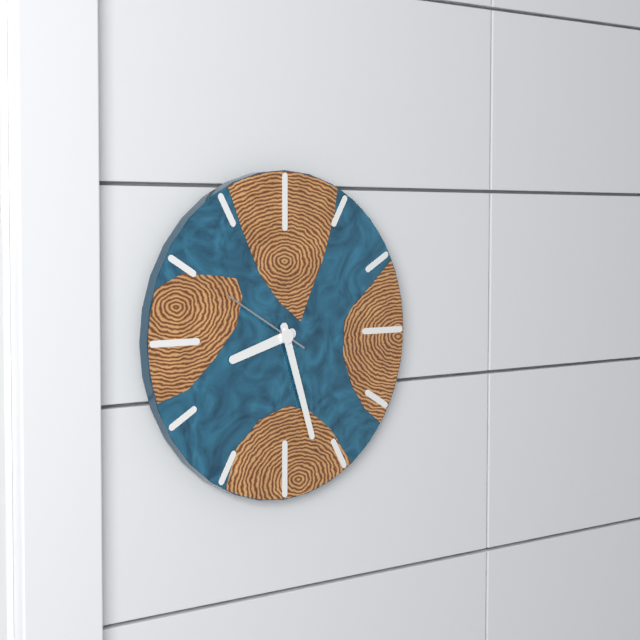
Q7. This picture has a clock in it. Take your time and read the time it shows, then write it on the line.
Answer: 8:27:50
